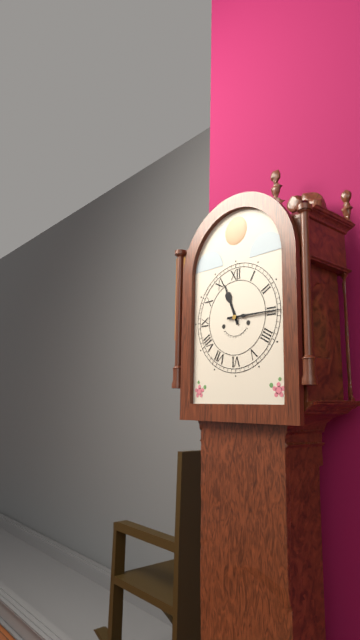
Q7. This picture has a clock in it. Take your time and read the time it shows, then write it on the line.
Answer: 11:15
